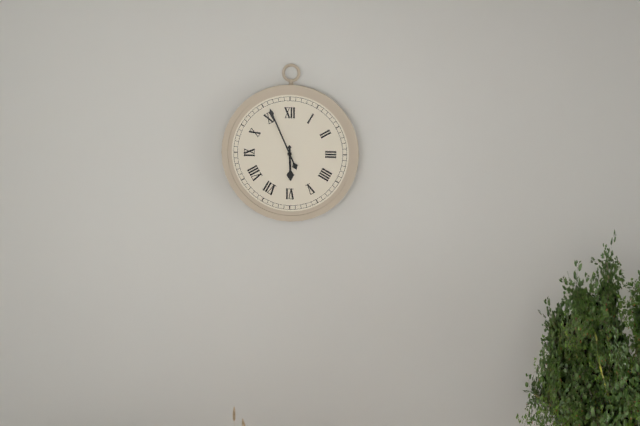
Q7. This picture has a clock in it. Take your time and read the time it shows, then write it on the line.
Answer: 5:56
